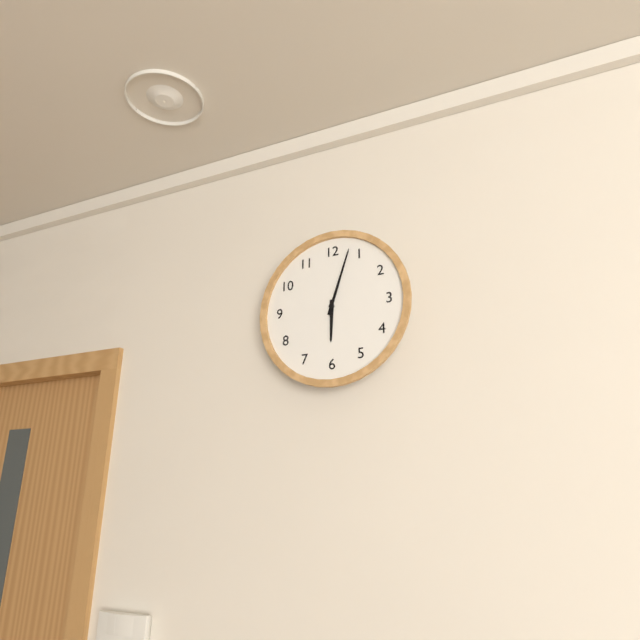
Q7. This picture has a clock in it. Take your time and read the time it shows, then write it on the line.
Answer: 6:03
